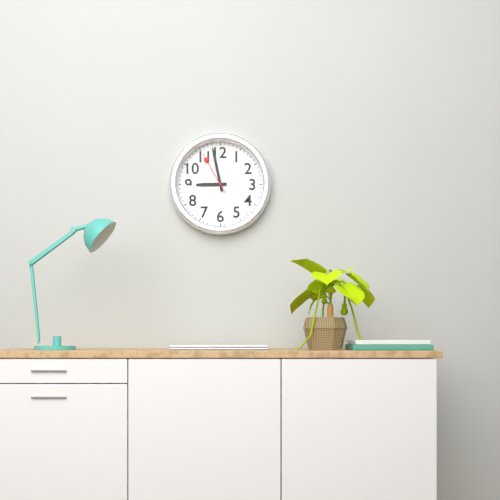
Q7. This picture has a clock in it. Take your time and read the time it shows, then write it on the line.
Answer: 8:58
